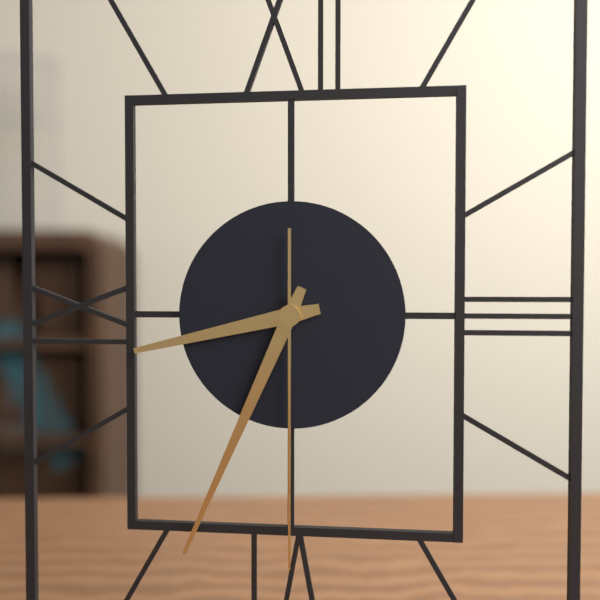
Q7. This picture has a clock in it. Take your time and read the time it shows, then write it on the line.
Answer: 8:34:30
